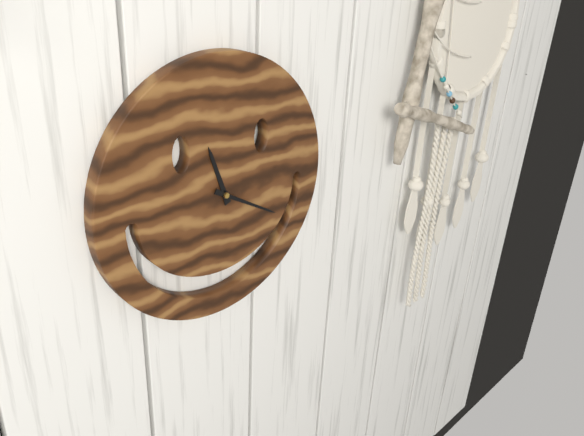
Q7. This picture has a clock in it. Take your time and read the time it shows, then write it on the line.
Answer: 11:20
